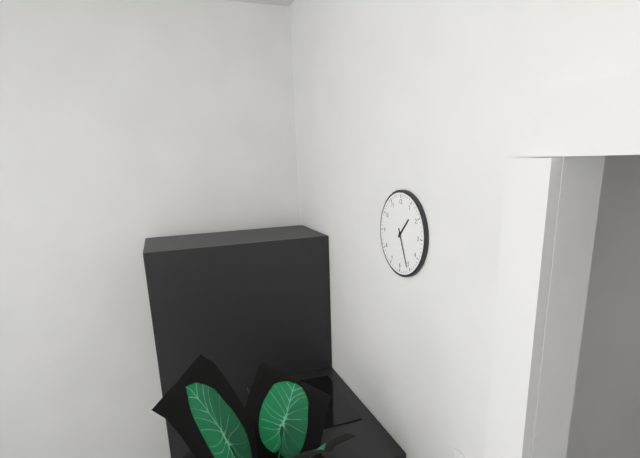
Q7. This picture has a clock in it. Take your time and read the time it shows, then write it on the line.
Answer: 1:26
